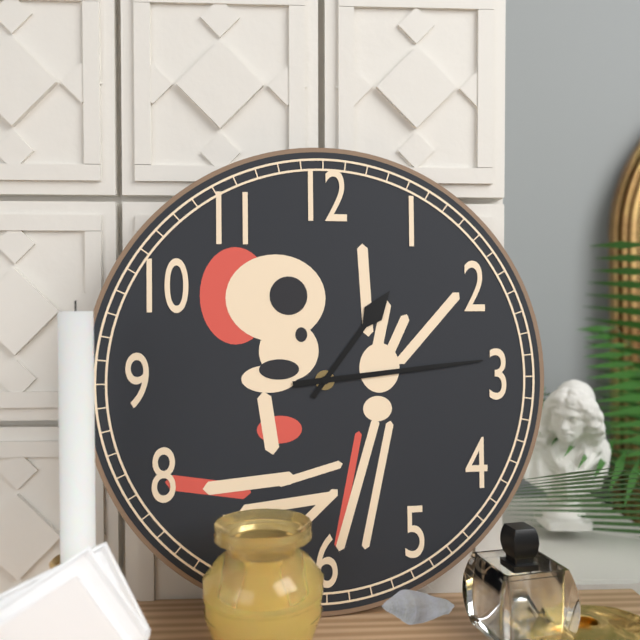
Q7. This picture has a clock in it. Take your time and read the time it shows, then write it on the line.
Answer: 1:14
